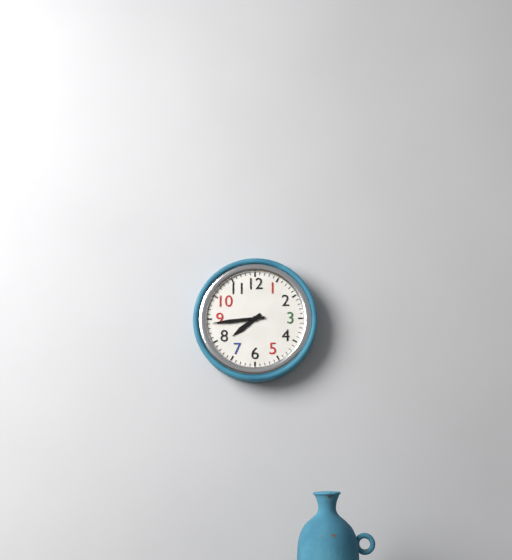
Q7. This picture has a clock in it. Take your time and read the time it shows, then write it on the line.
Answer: 7:44
